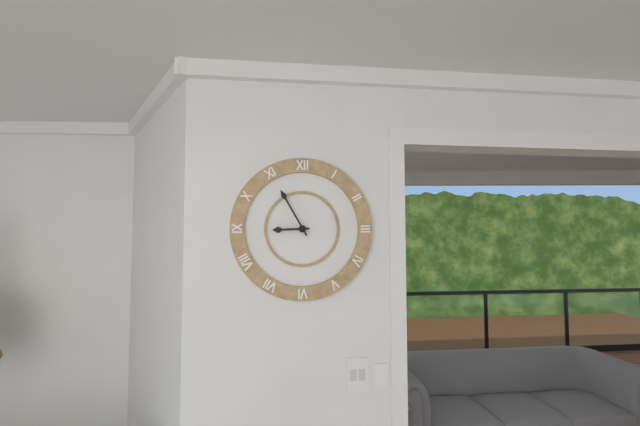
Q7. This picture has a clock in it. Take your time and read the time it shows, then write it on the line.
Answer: 8:55
